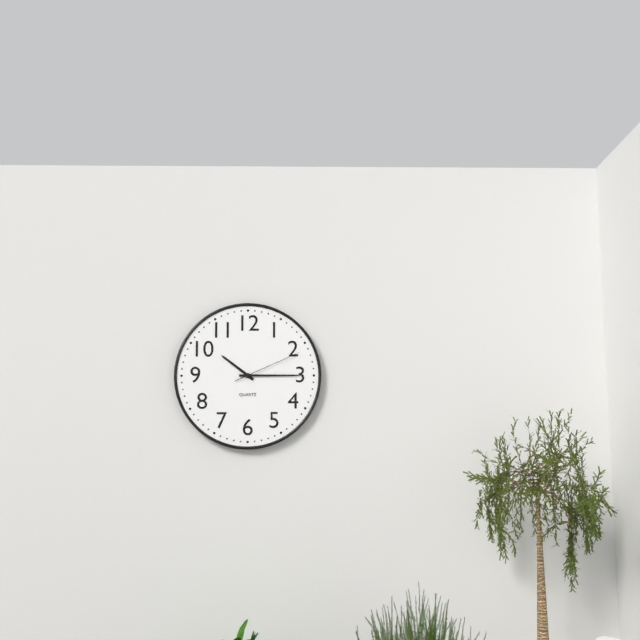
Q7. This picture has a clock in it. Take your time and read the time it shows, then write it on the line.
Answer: 10:15:11
